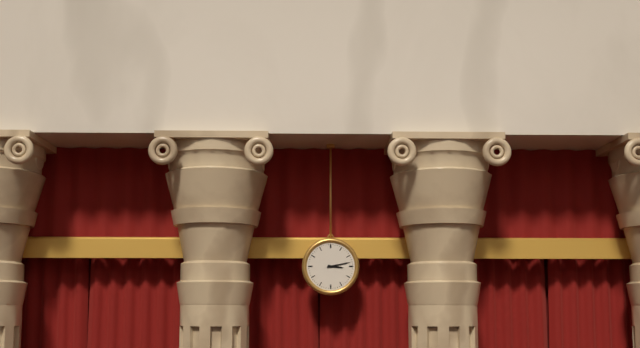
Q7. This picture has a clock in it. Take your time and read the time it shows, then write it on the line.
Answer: 3:13
